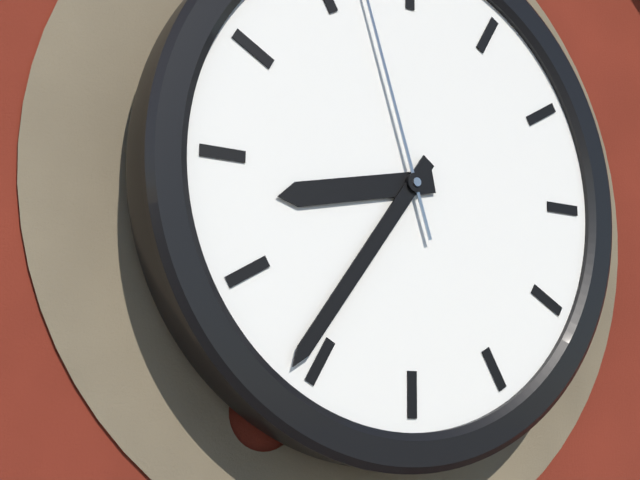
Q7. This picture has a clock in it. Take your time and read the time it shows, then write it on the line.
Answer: 8:36
